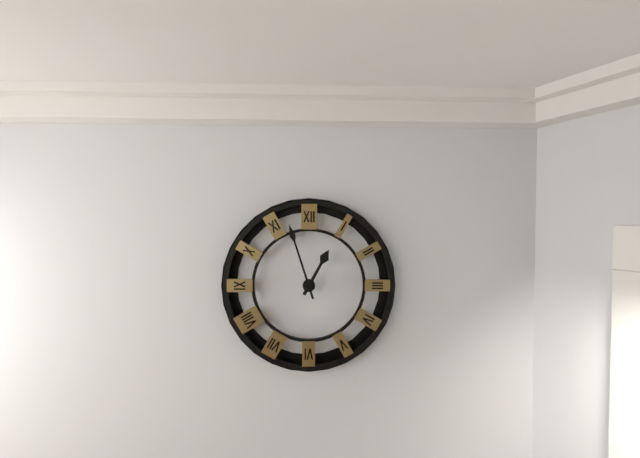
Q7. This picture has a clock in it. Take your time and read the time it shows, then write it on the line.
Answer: 12:57
